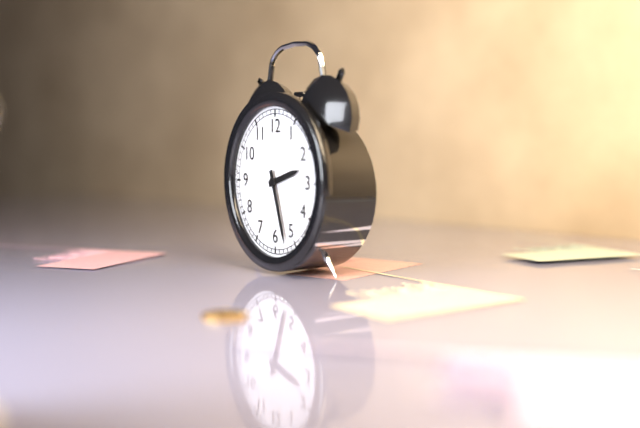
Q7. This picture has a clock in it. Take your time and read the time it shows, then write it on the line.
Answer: 2:27
